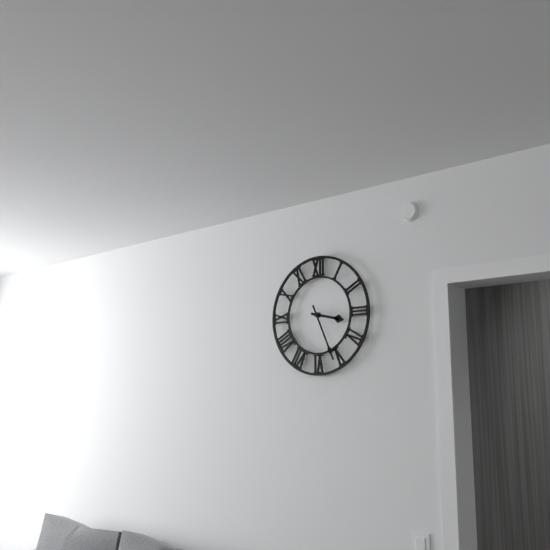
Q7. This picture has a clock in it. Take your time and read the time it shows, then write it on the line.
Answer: 3:26
